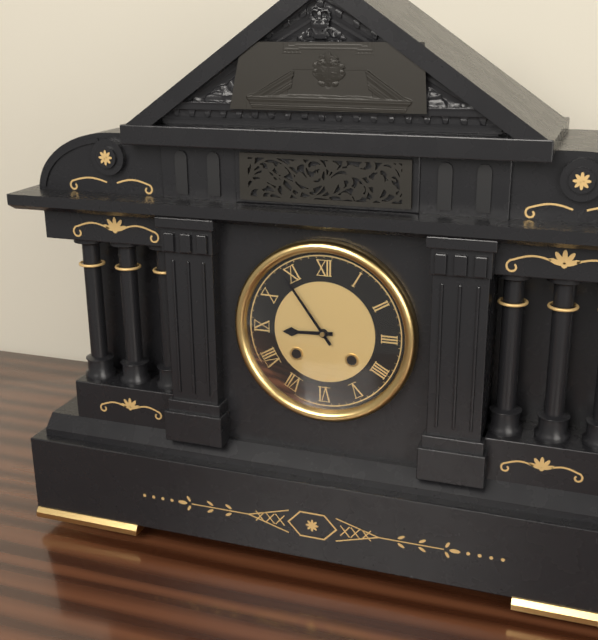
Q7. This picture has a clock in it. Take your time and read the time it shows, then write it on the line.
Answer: 8:54
